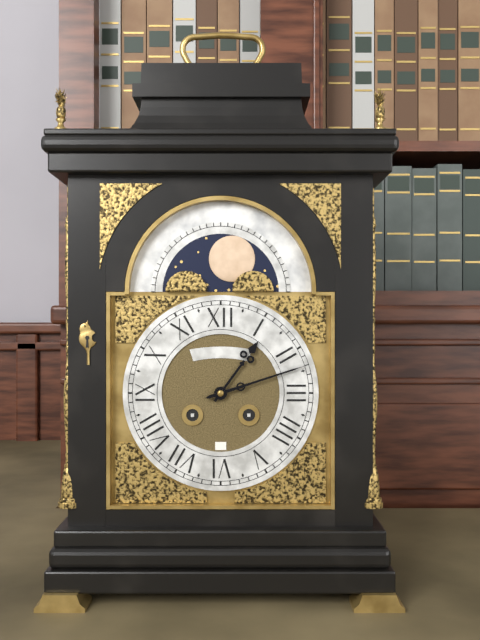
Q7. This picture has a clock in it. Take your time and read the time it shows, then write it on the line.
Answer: 1:12
